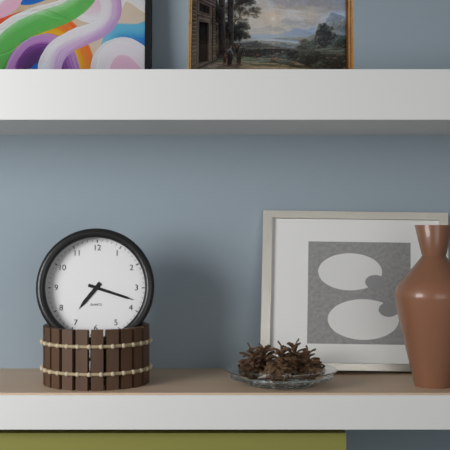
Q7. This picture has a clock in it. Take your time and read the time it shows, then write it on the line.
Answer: 7:18
